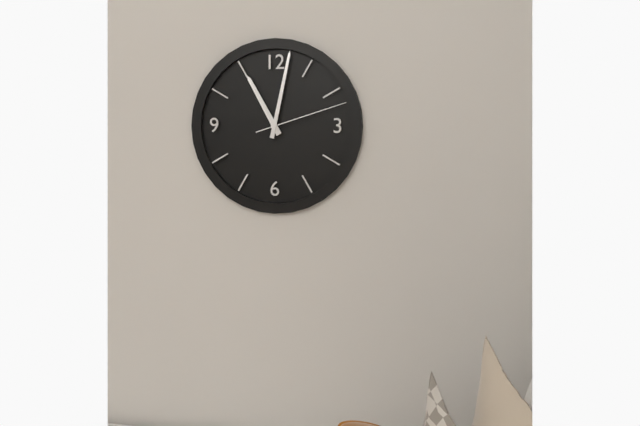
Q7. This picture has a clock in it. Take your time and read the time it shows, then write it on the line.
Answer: 11:02:12
